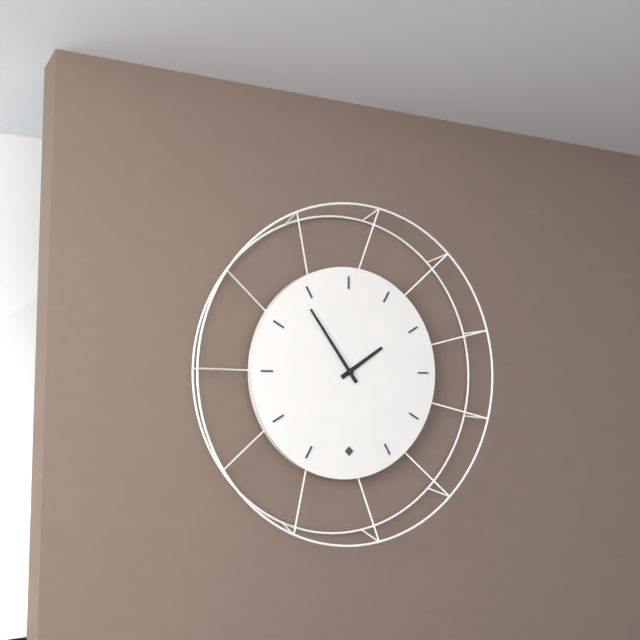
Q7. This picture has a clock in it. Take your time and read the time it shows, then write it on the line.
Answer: 1:54
